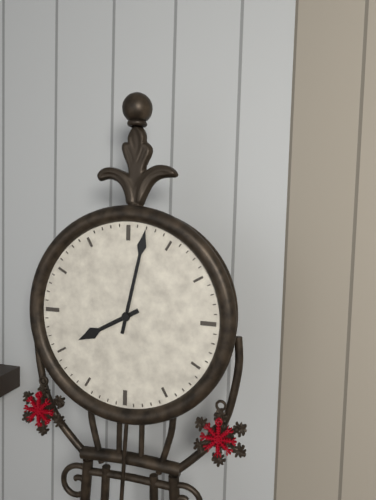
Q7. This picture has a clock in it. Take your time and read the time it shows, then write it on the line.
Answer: 8:02
